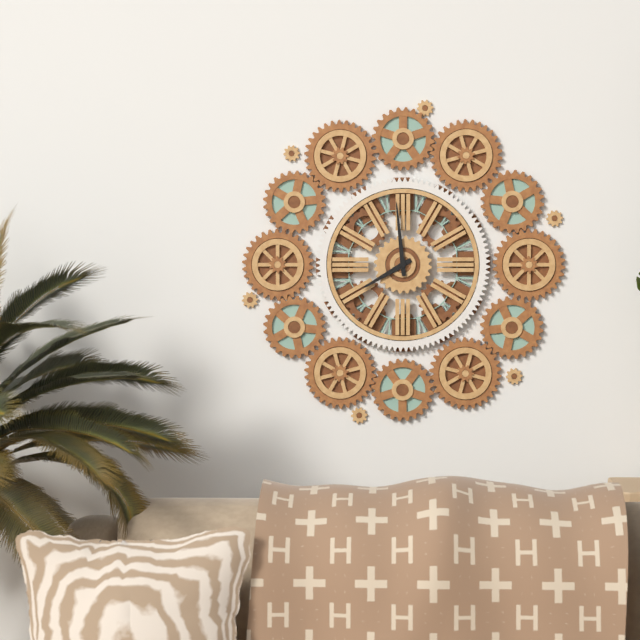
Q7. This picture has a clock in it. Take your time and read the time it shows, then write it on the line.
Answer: 7:59
